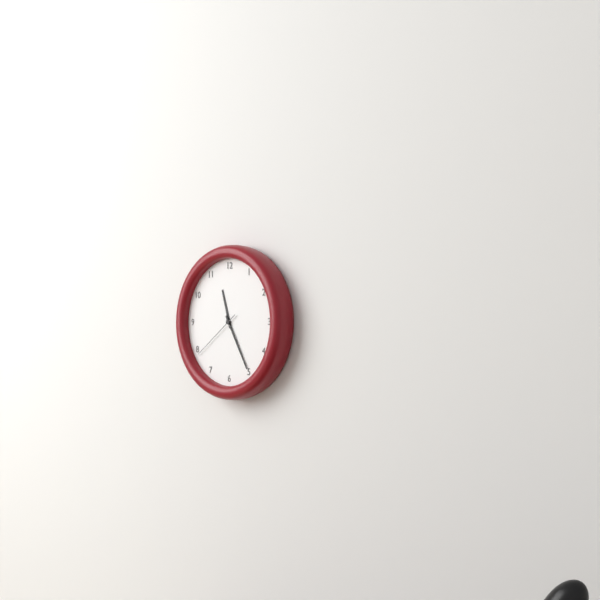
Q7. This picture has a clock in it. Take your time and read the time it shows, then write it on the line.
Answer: 11:25:39
